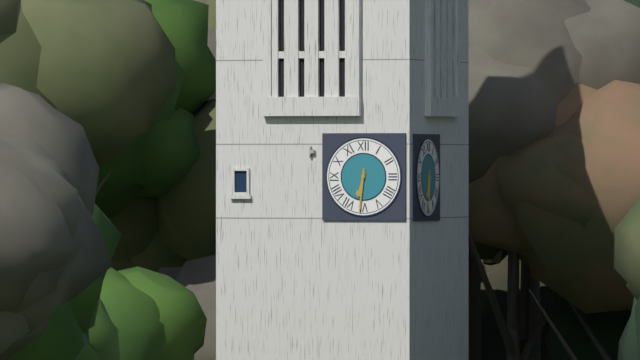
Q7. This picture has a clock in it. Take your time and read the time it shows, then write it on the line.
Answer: 6:31
